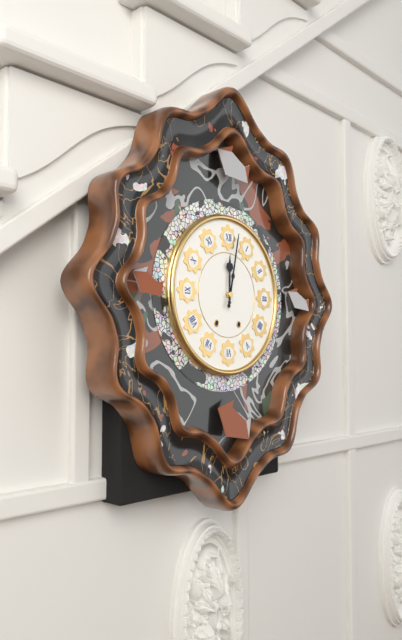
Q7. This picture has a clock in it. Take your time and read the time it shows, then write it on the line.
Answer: 12:02
